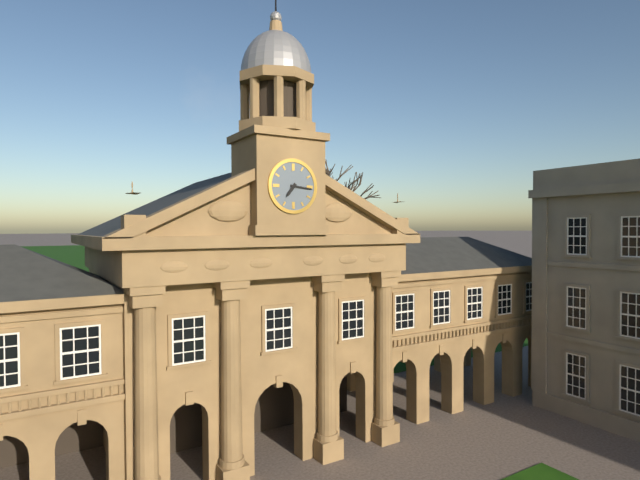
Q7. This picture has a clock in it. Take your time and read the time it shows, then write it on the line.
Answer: 7:16
